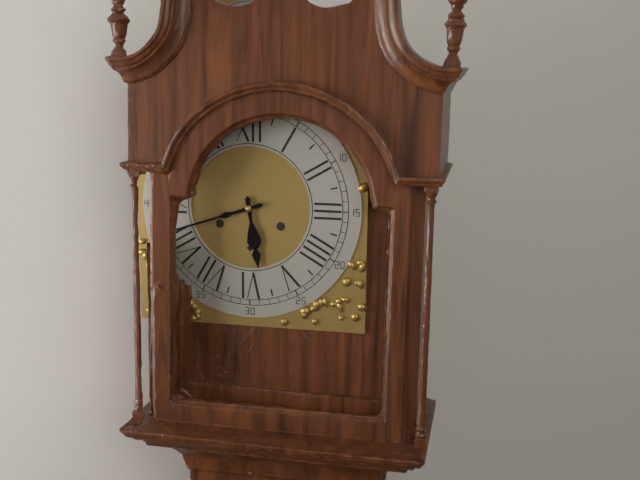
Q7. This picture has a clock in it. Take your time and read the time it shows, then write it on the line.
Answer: 5:42
